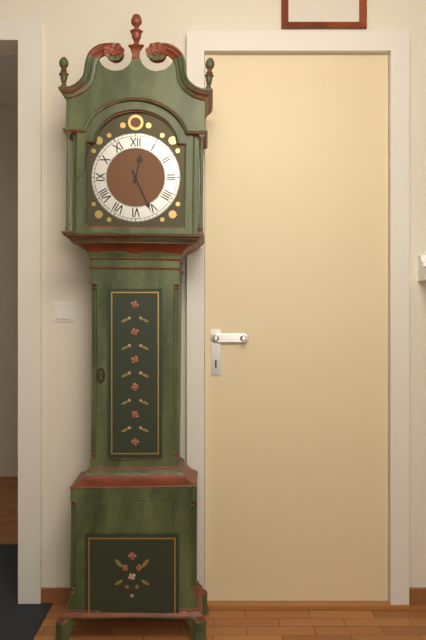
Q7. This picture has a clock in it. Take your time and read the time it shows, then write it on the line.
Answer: 12:26
